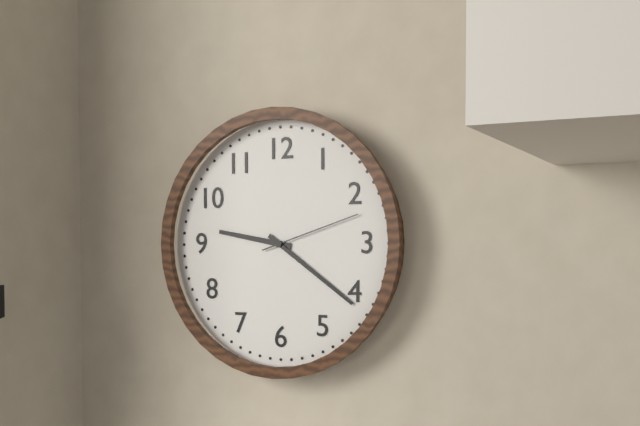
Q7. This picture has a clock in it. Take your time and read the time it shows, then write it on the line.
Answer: 9:21:12
